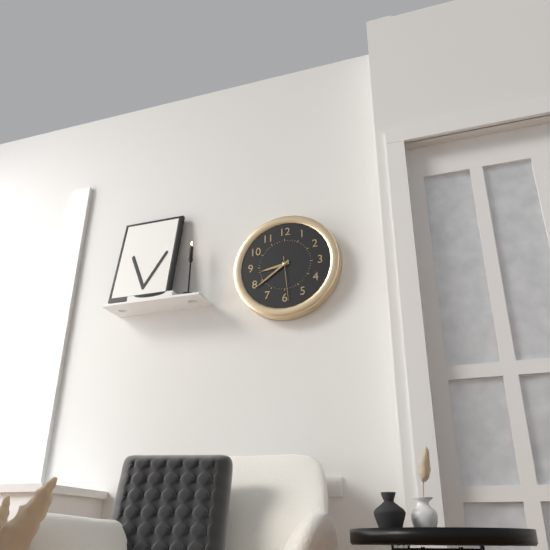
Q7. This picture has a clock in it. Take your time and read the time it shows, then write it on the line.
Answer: 8:39
